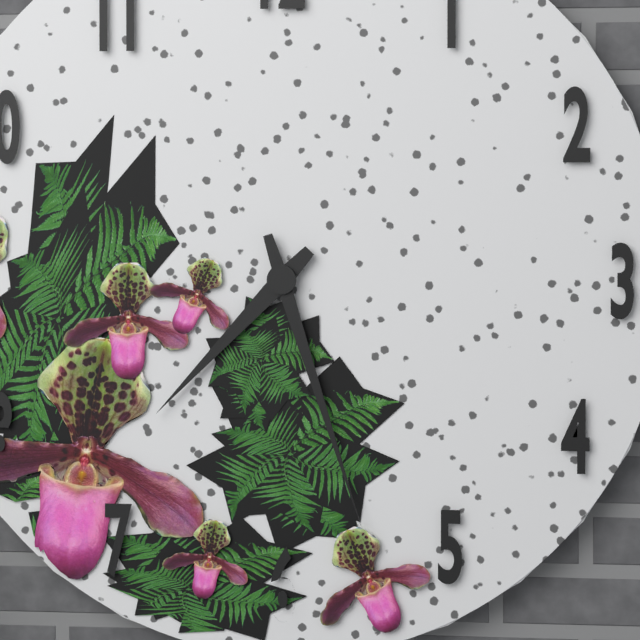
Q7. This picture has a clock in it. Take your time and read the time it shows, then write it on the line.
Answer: 7:27
